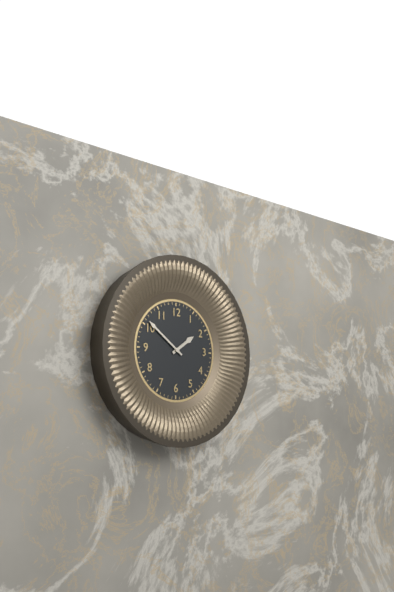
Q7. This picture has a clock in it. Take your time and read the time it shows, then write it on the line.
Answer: 1:51
